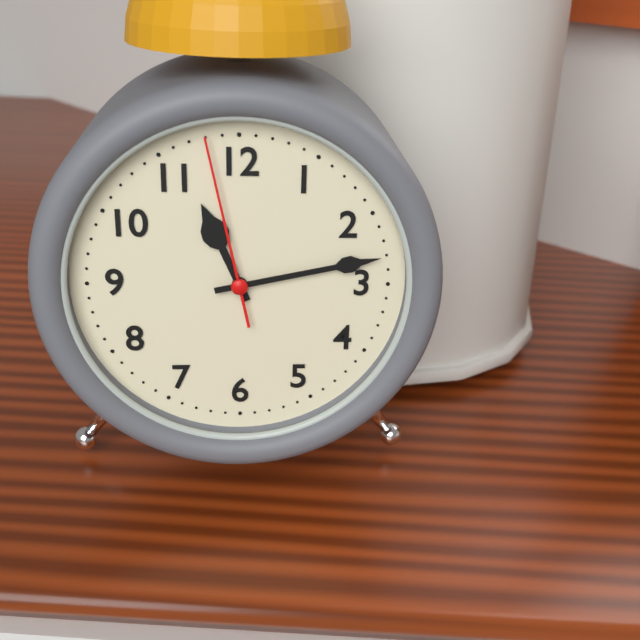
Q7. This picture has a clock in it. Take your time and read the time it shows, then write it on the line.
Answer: 11:13:58
